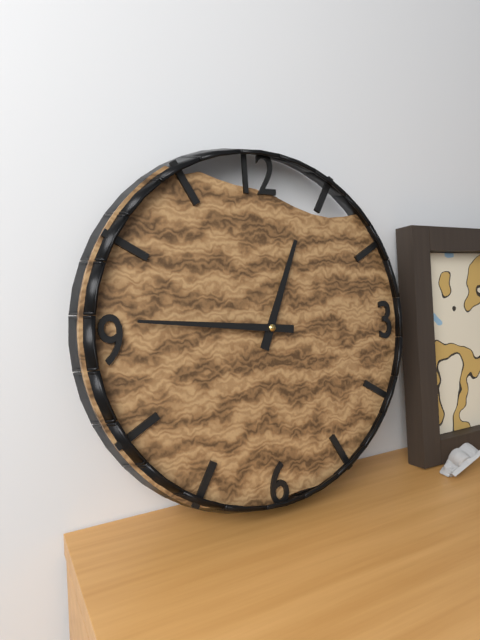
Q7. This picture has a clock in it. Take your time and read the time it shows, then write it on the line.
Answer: 12:46
